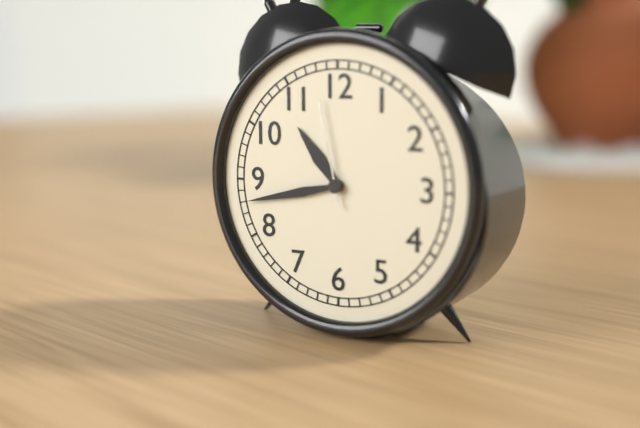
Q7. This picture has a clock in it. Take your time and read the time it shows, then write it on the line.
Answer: 10:43:58
